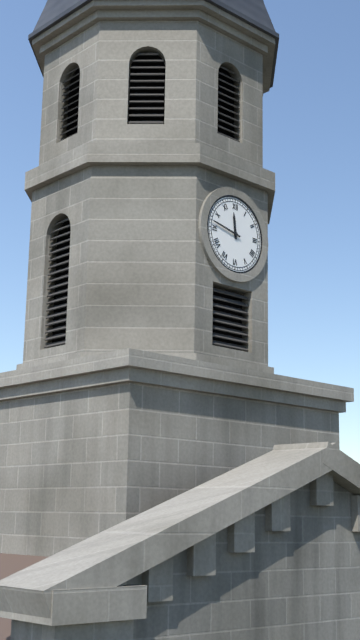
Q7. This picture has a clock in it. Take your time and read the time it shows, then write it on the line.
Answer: 11:47
